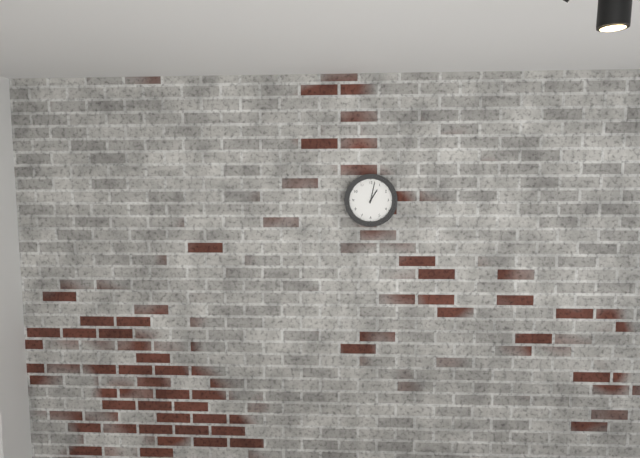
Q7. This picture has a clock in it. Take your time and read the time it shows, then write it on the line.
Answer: 1:02
